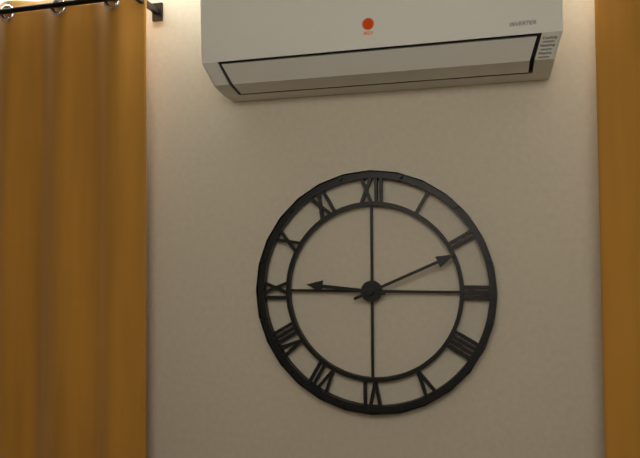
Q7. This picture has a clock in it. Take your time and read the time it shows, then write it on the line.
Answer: 9:11
